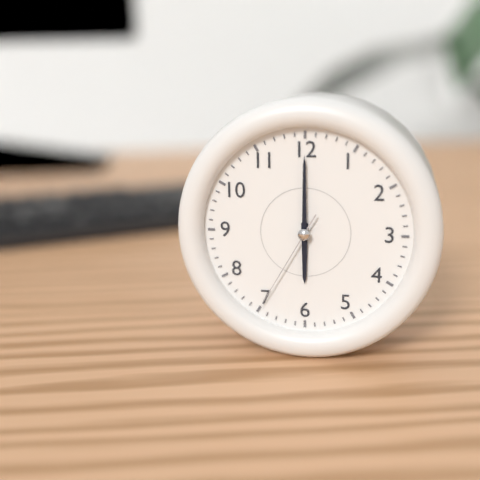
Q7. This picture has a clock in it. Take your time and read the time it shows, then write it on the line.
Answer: 6:00:35
